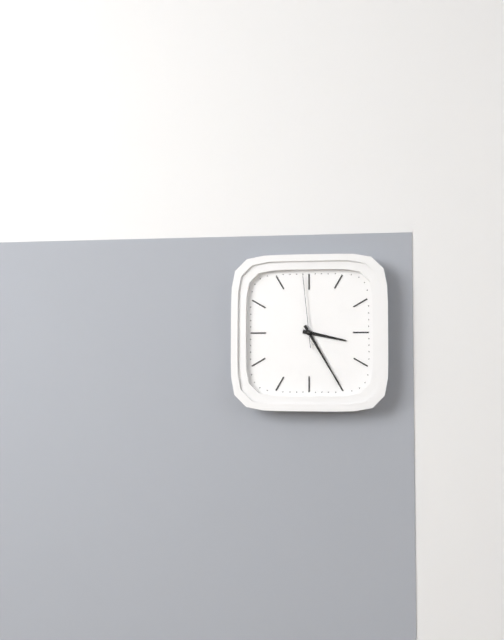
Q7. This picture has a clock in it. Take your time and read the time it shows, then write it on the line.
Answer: 3:25:59
